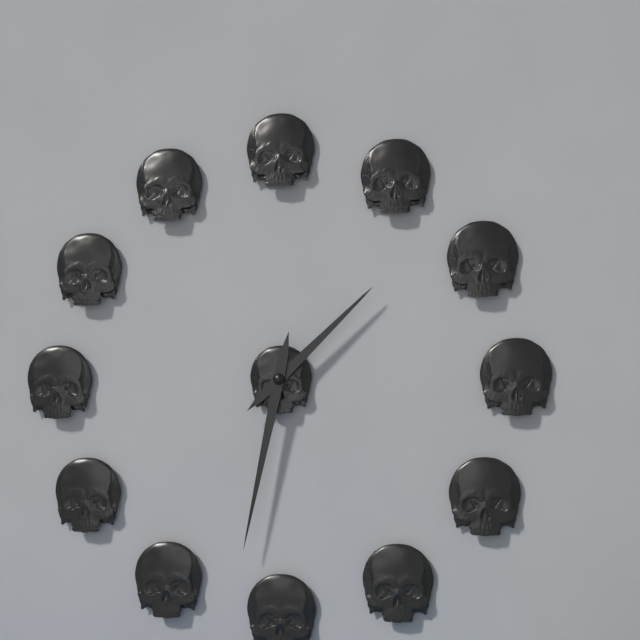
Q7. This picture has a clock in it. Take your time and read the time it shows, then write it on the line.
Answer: 1:32
